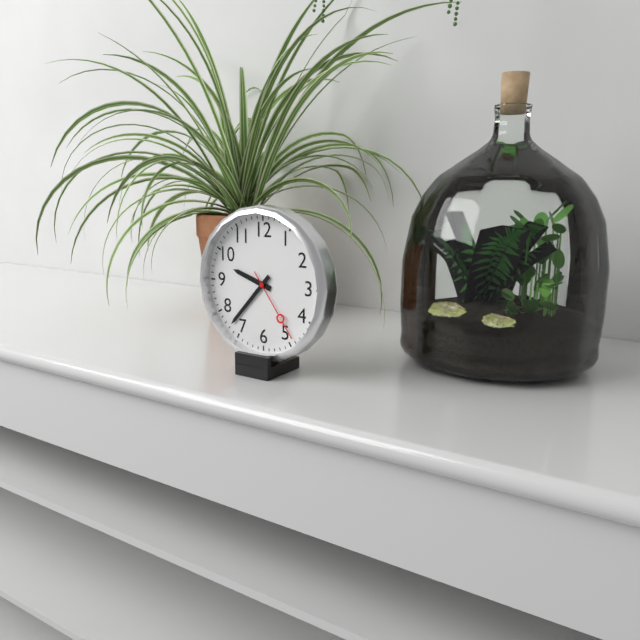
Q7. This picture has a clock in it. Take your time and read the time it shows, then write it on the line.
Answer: 9:37:24
